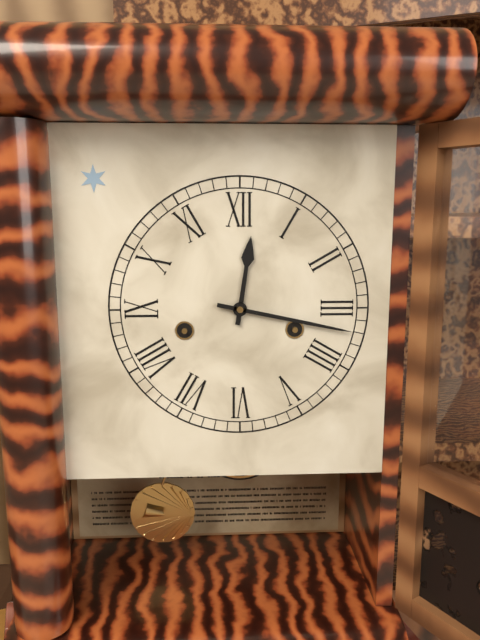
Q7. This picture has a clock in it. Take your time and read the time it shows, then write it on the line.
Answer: 12:17
